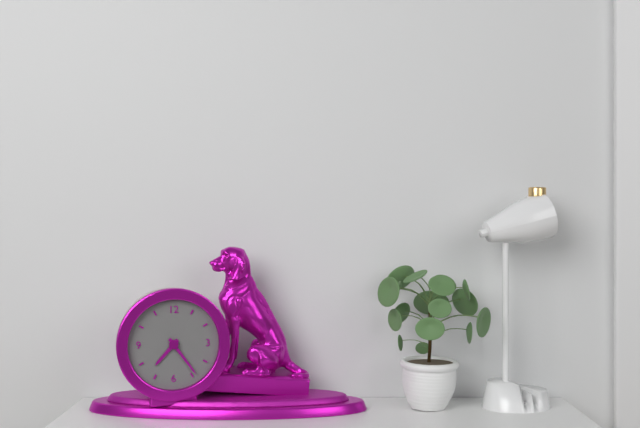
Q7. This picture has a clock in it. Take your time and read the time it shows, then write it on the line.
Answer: 7:24
